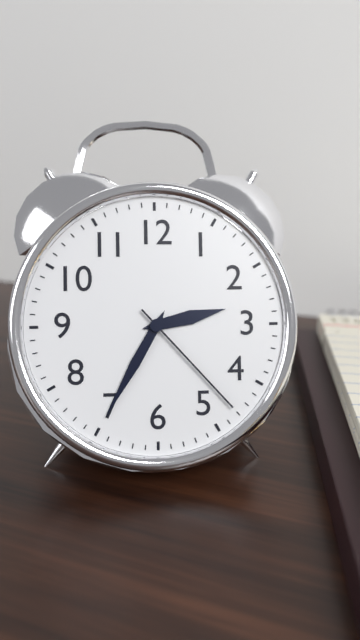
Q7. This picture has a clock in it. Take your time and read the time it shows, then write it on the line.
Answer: 2:35:23
